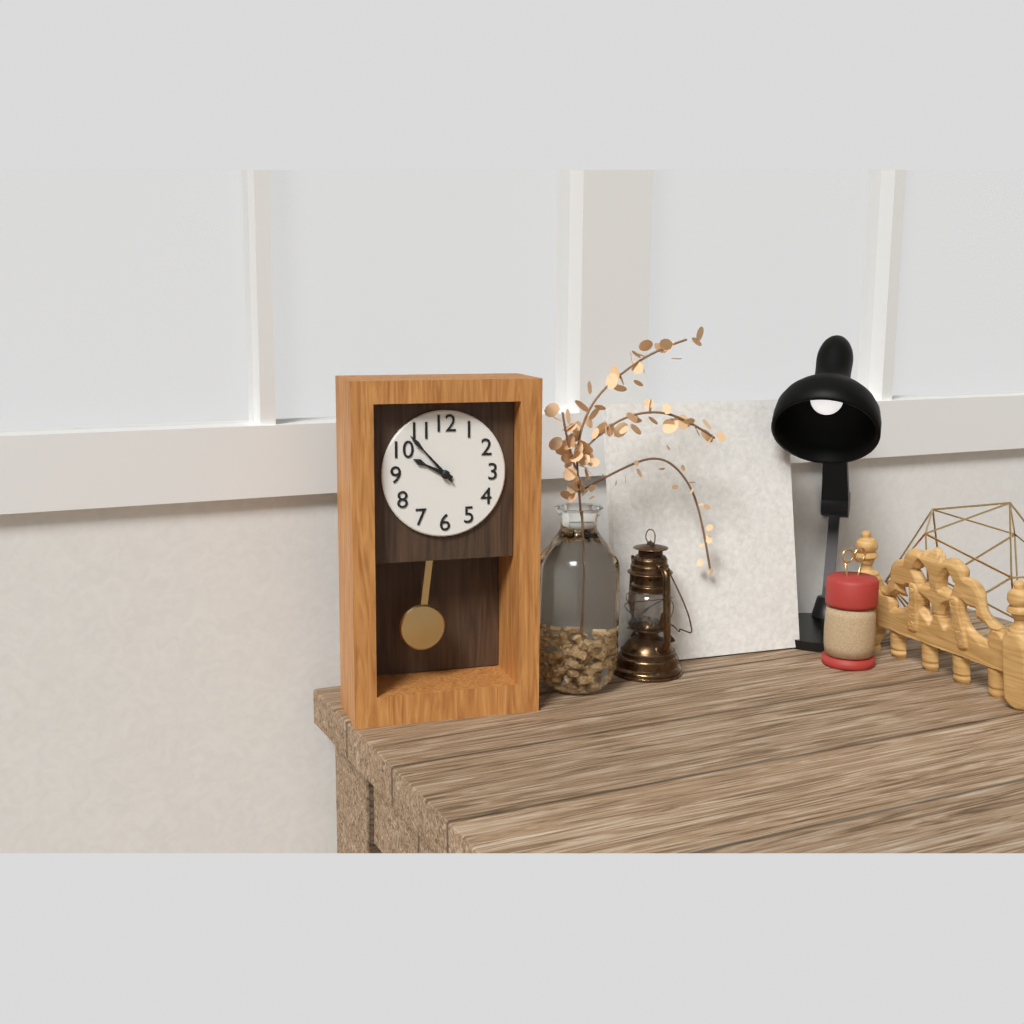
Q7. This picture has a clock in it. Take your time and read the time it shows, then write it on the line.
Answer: 9:53
